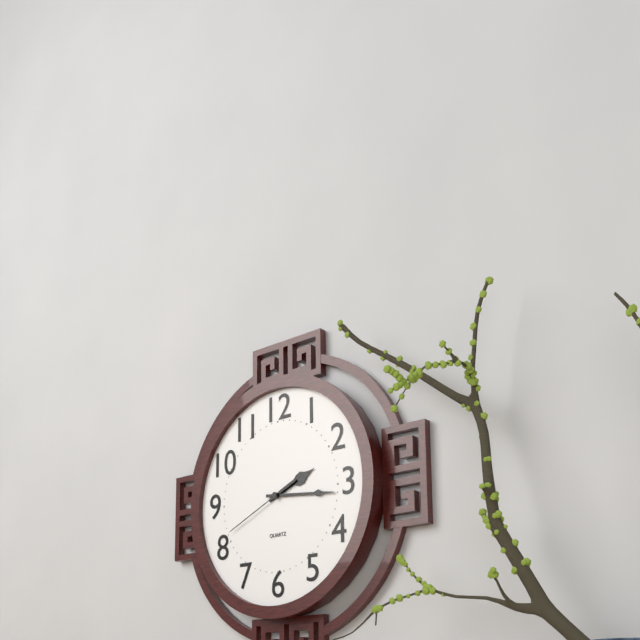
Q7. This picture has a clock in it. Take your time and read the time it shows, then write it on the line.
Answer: 2:16:41
